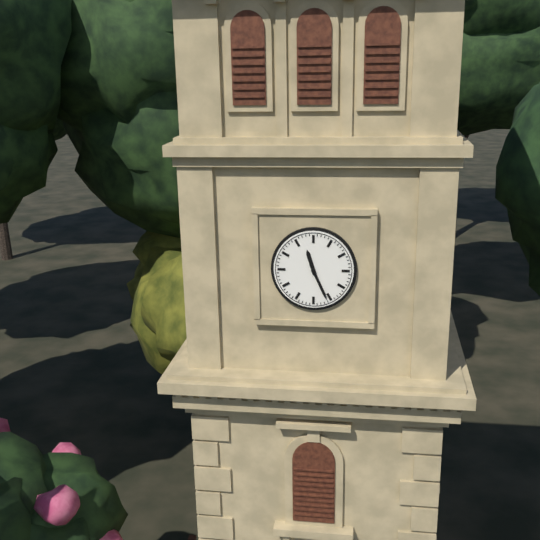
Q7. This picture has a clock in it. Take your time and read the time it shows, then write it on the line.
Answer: 11:26
